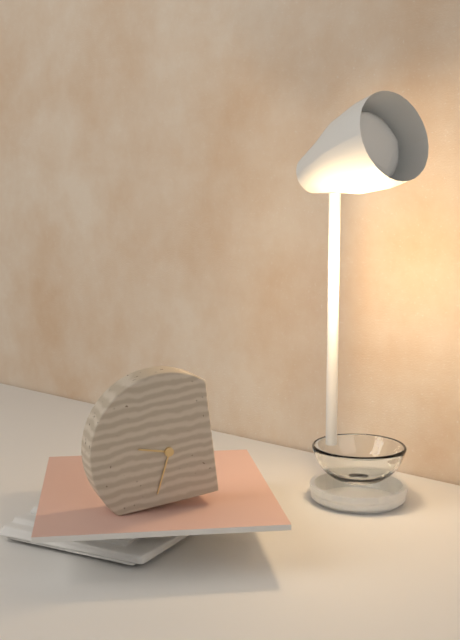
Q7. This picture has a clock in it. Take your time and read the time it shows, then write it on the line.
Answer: 9:34
